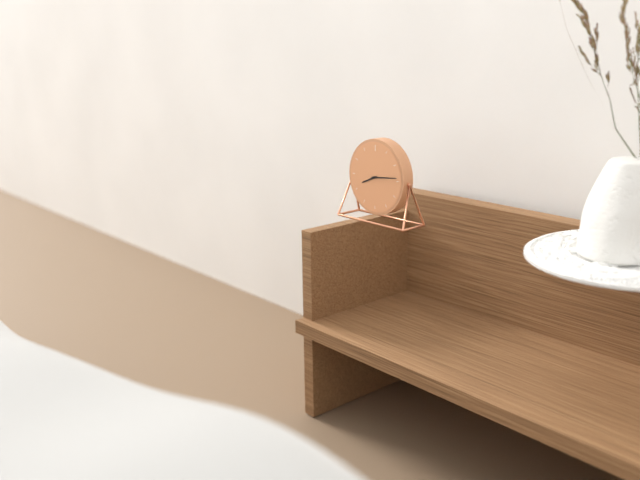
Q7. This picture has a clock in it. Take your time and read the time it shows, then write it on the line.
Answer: 8:14
